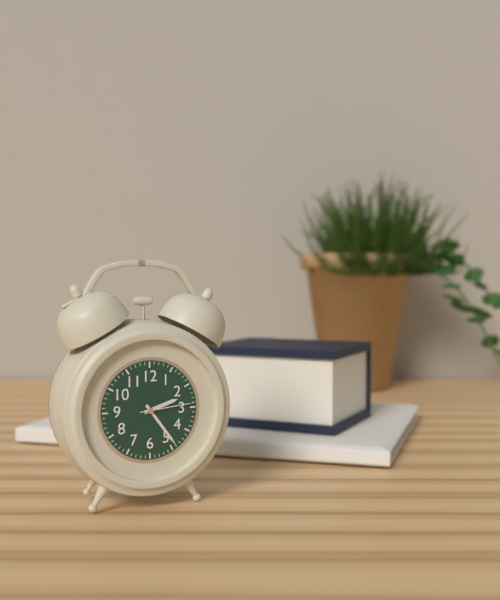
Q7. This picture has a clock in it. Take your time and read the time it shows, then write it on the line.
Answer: 2:24:14
